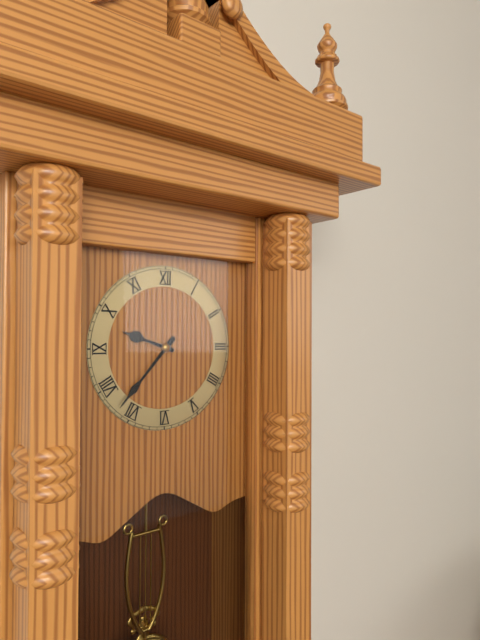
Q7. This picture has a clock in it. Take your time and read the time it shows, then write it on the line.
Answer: 9:37
